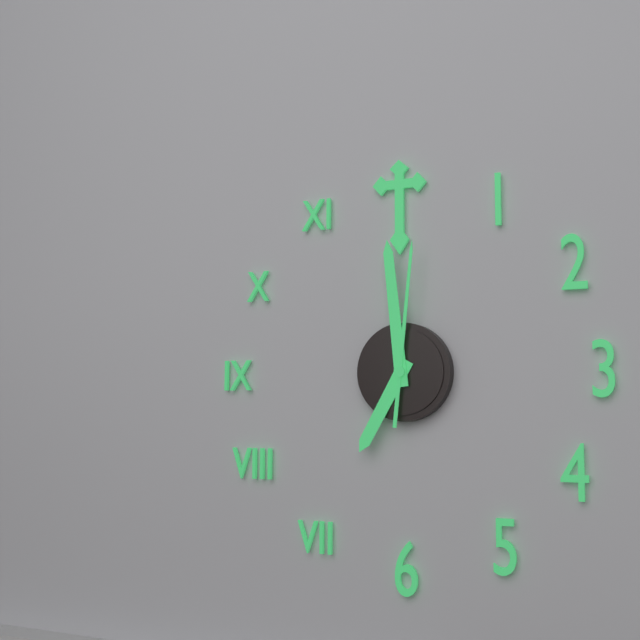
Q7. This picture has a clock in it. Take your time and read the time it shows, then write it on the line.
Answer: 6:59:01
